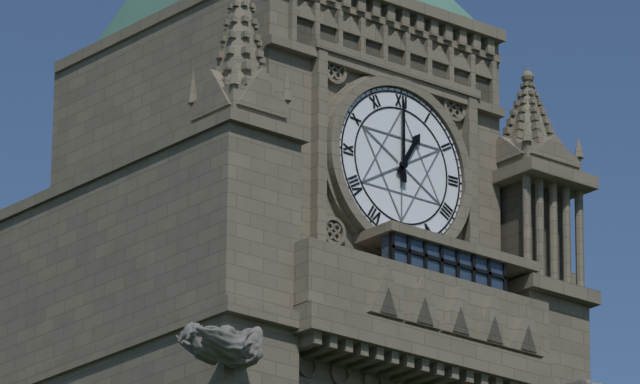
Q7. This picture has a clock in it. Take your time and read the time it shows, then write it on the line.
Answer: 1:00
